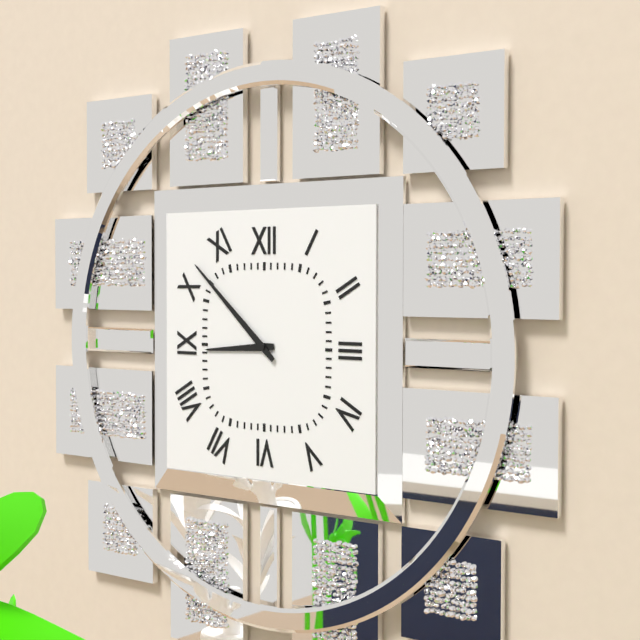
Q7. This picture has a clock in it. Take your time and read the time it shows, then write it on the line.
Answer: 8:52
